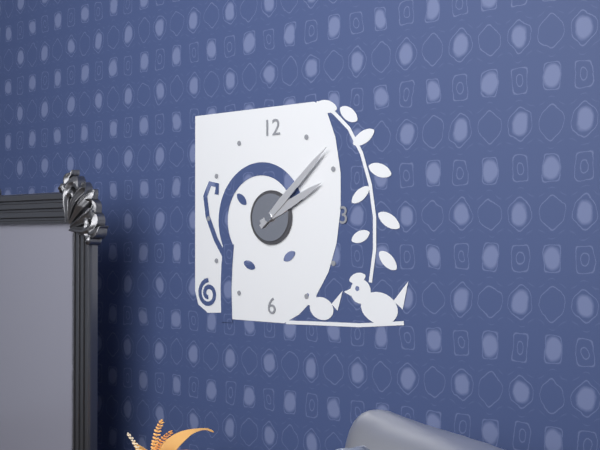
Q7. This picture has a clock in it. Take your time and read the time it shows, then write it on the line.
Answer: 2:08
